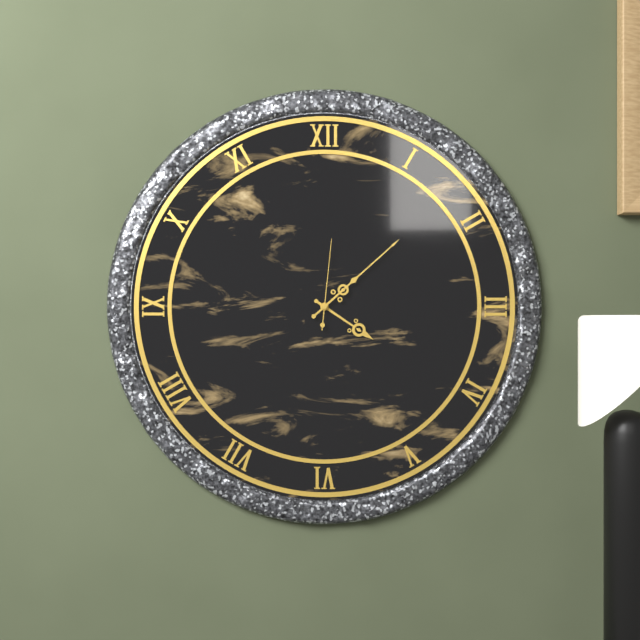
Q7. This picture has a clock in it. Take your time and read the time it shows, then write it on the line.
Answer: 4:08:01
